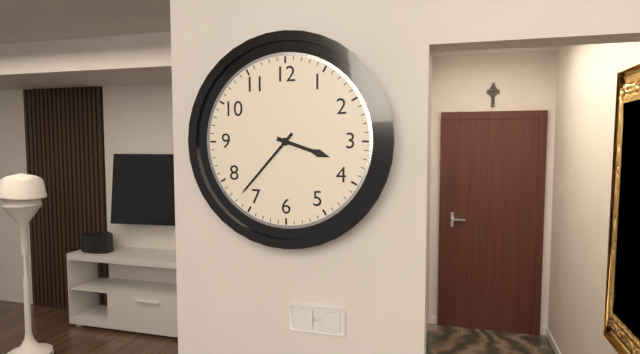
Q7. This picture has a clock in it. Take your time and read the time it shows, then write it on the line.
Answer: 3:37
